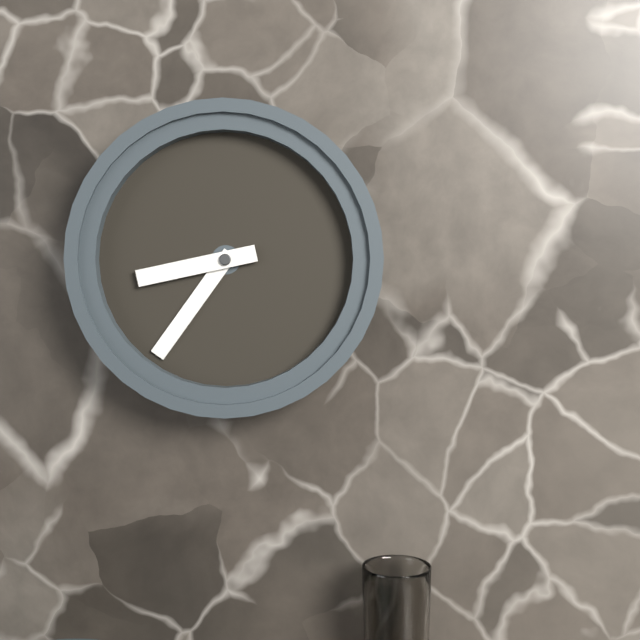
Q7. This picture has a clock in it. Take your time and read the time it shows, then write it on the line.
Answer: 8:36
